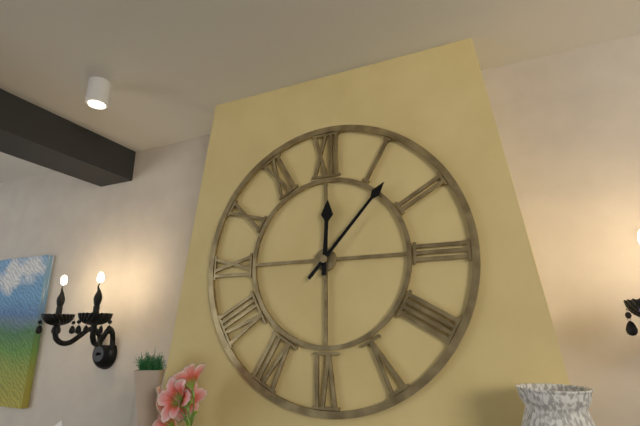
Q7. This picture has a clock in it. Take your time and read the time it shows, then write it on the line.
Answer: 12:07
